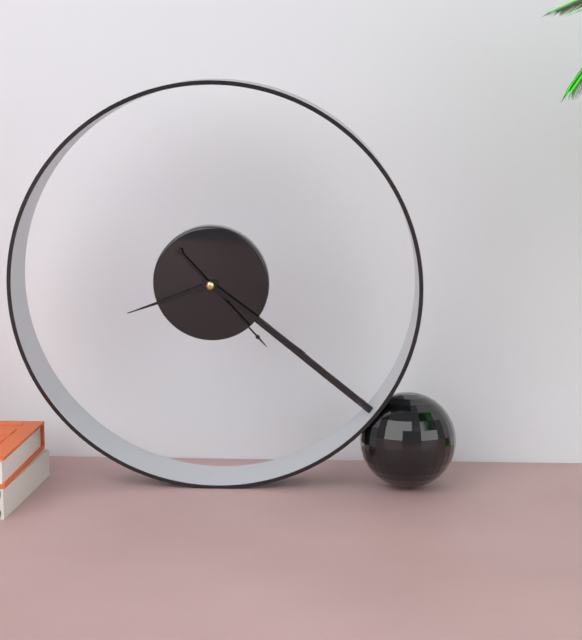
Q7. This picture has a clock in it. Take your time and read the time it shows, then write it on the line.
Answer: 8:21:23
